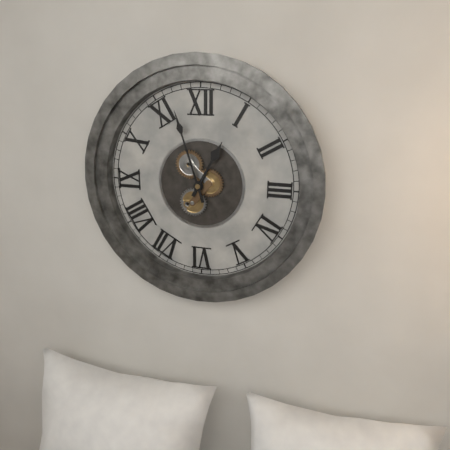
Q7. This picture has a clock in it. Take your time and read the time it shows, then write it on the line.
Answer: 12:57
